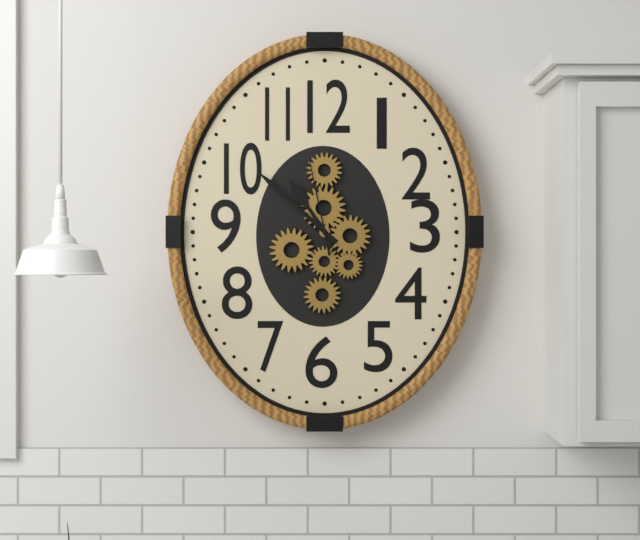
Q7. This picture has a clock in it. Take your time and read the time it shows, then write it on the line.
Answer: 10:52:58
